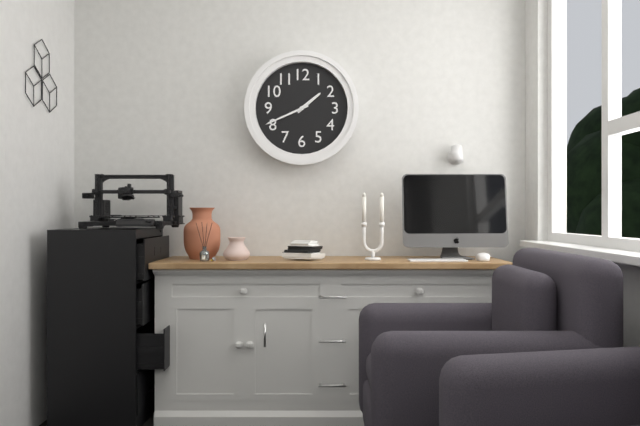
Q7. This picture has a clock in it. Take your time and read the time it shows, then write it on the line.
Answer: 1:41
